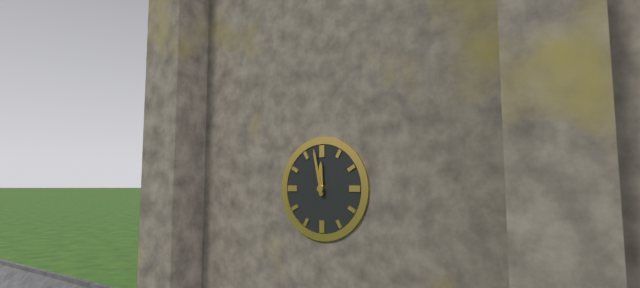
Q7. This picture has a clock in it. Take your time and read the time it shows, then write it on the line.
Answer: 11:58
